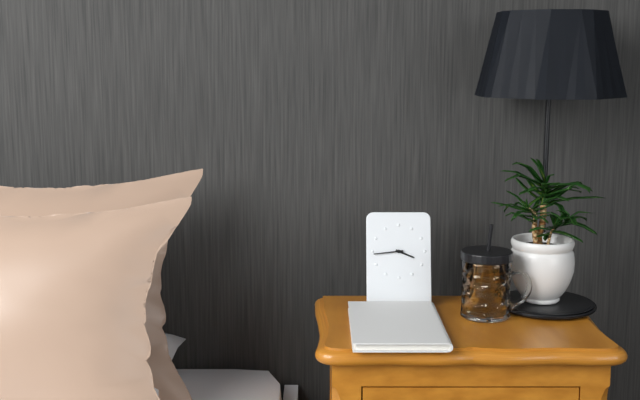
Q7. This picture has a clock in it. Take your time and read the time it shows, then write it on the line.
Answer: 3:44
